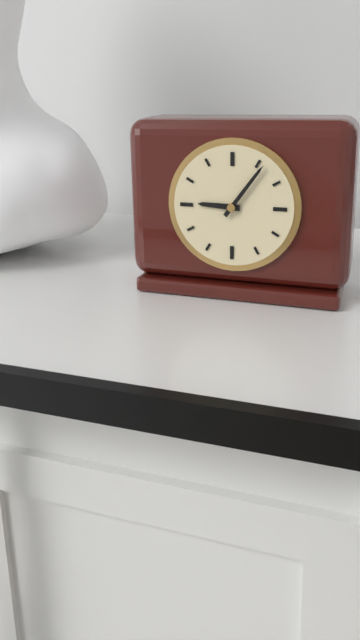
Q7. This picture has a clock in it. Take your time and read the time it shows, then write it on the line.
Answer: 9:06
